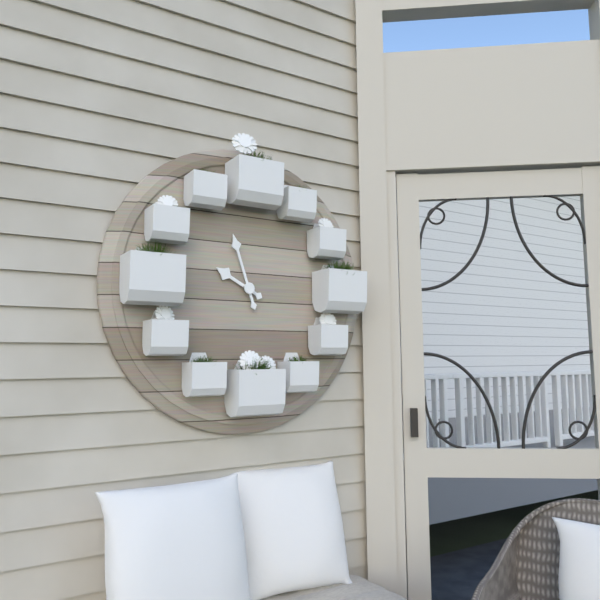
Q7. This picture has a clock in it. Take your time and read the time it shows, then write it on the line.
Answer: 9:57
